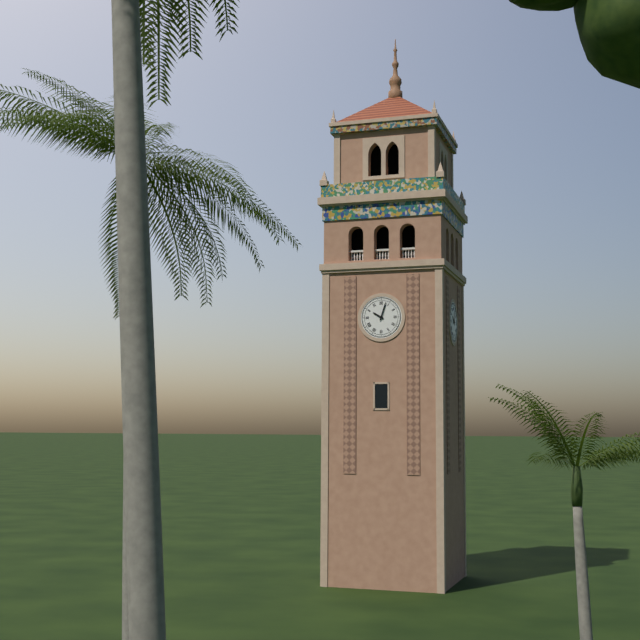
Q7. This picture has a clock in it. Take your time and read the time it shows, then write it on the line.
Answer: 10:03
